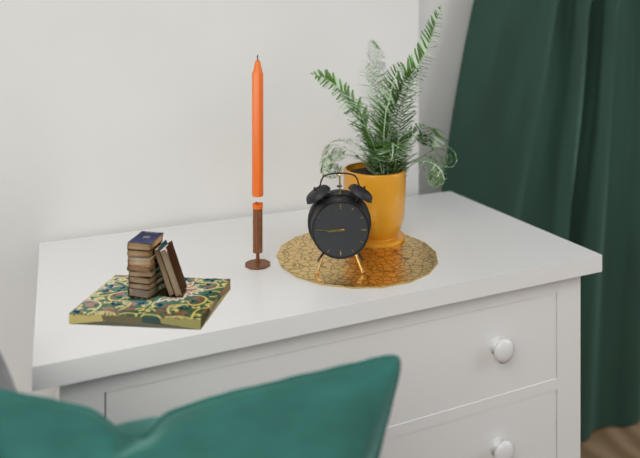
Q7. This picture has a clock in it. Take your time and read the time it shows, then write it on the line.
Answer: 8:45
